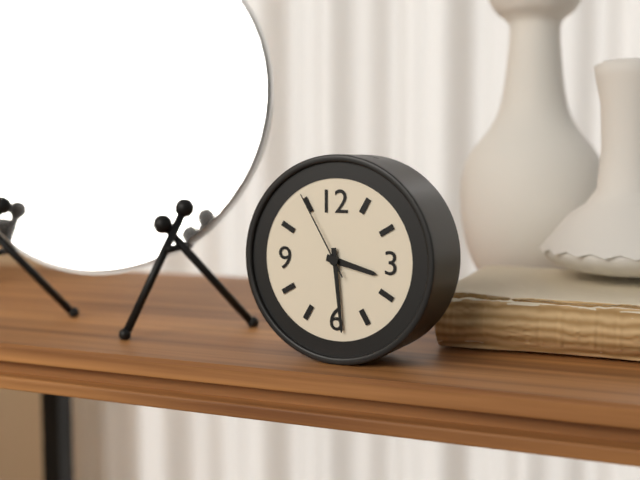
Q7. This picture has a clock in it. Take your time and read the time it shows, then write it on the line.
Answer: 3:29:55
